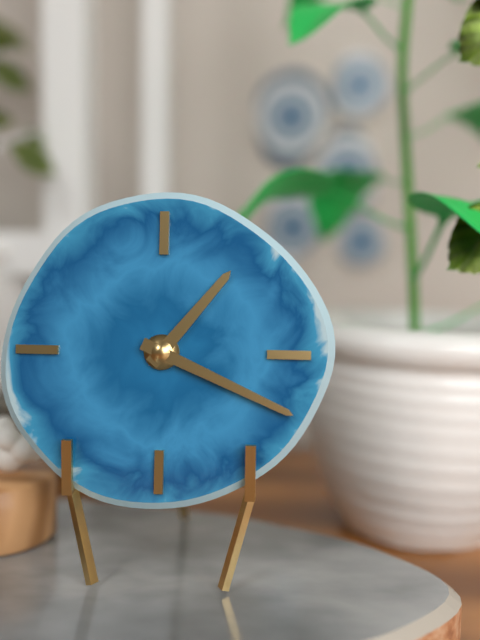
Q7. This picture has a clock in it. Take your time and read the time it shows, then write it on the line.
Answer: 1:19
